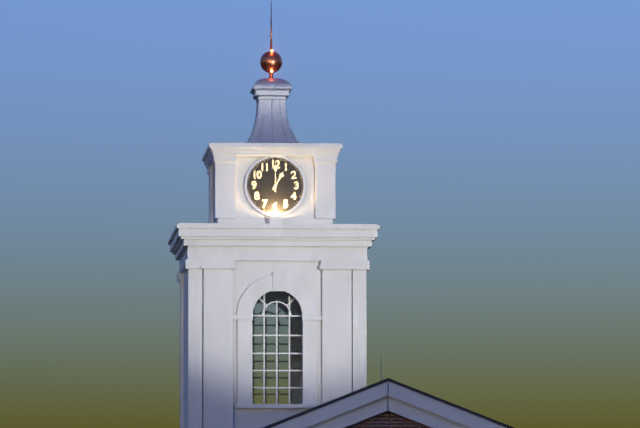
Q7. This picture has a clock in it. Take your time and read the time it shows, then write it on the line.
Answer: 1:00
